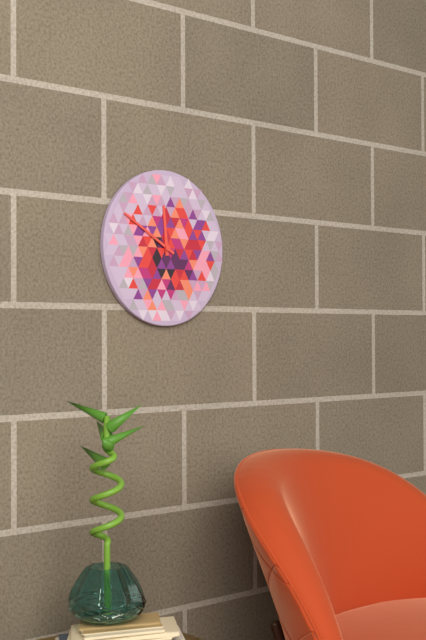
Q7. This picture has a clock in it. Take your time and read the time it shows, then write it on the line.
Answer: 11:50
